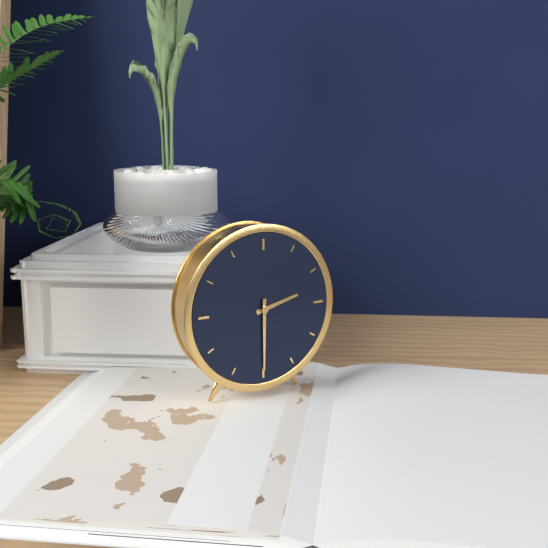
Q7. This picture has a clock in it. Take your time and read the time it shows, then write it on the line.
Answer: 2:30
